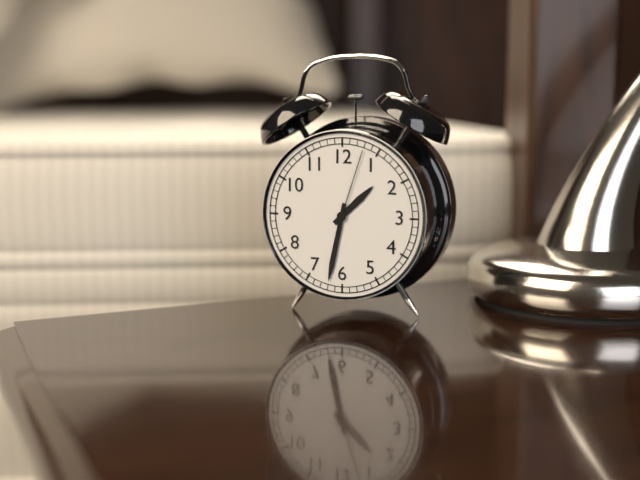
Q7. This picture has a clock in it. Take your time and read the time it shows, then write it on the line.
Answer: 1:32:03
